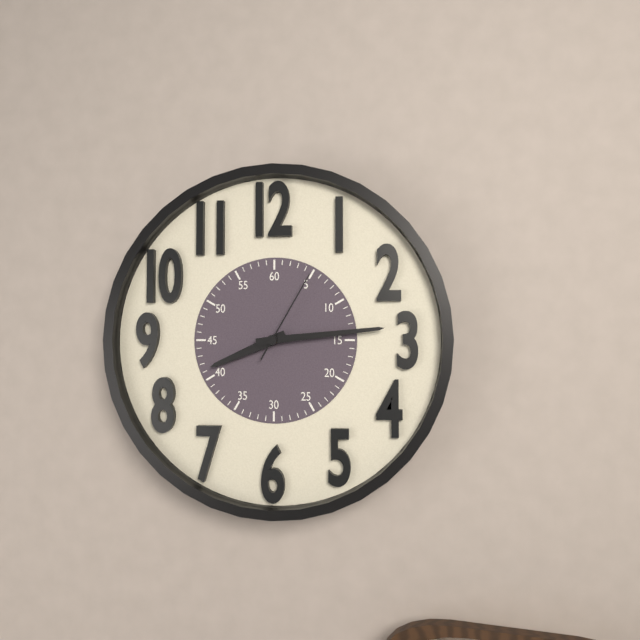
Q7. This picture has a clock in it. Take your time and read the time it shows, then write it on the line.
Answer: 8:14:05
